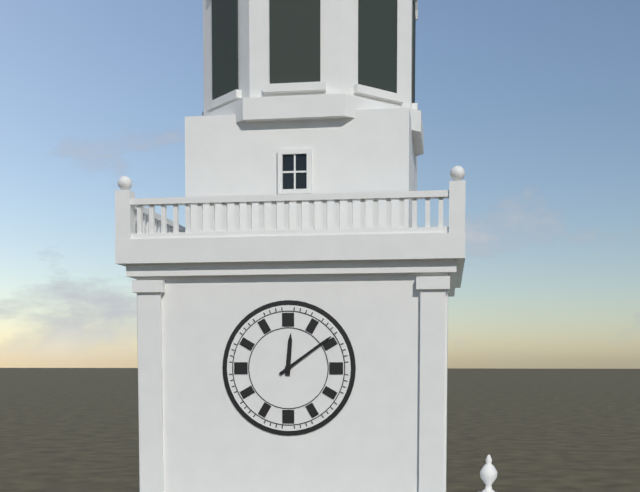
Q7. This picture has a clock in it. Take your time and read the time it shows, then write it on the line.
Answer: 12:09
